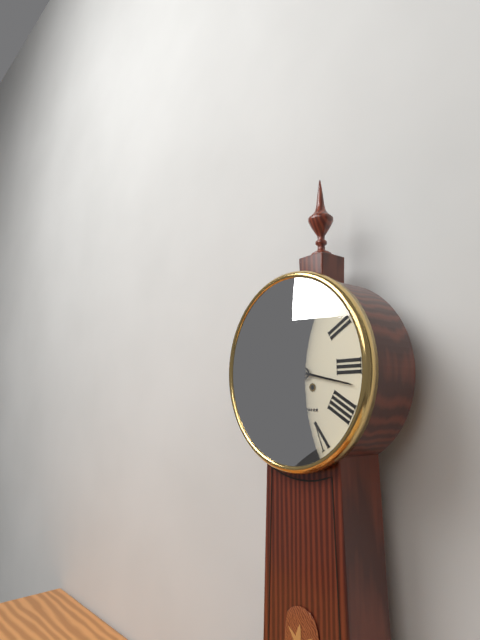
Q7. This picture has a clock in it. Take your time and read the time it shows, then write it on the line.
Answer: 6:17
